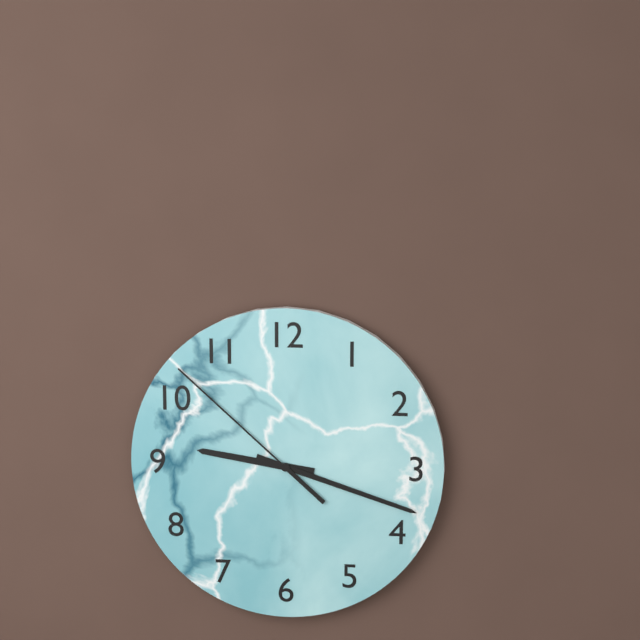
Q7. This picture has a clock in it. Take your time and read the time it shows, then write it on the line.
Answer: 9:18:52
